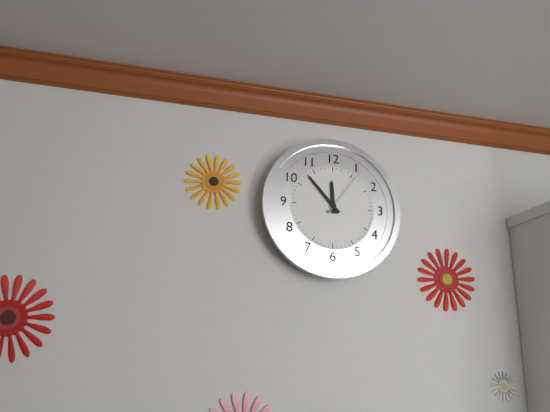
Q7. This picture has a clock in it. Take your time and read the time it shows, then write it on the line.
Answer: 11:53
